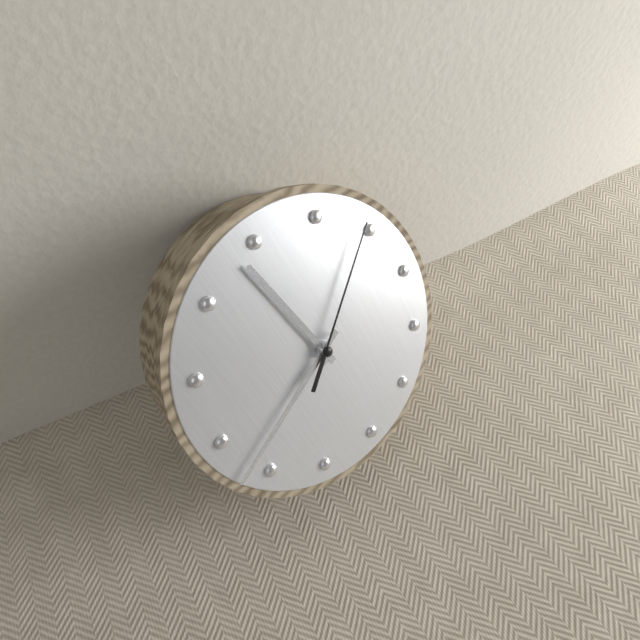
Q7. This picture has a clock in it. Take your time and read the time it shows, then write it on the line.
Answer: 11:42:09
